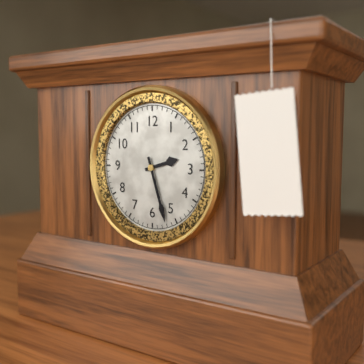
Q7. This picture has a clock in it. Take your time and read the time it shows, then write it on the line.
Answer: 2:27
